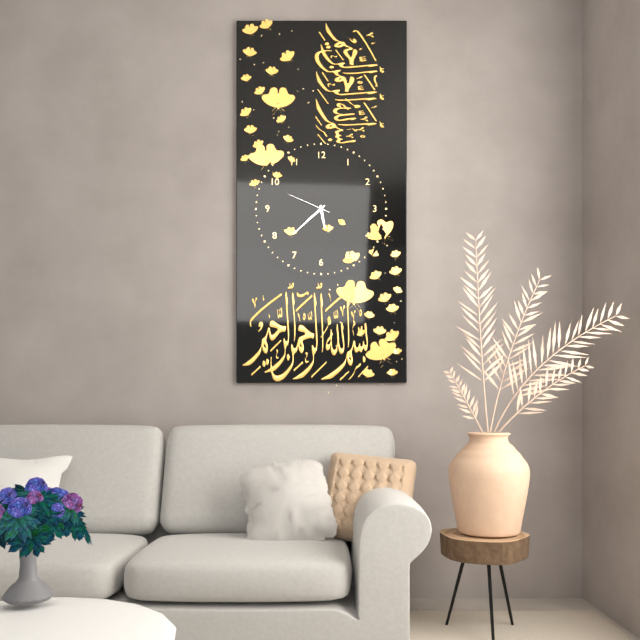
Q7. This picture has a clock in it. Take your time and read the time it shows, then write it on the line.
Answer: 5:38
